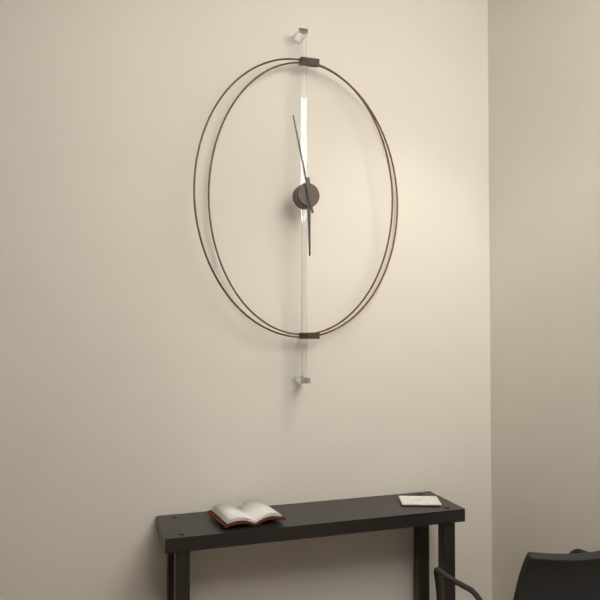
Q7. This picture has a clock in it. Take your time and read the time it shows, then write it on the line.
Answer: 5:58
